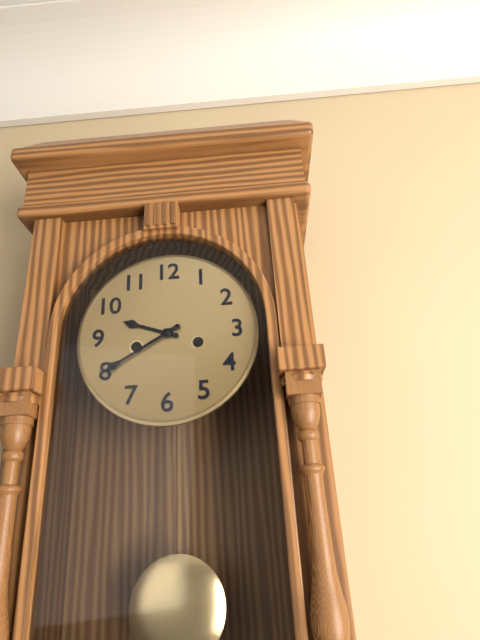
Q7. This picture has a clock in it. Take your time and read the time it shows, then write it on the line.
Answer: 9:40
